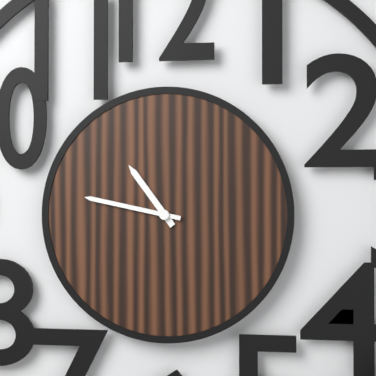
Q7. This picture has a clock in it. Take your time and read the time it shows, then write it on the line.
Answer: 10:47
